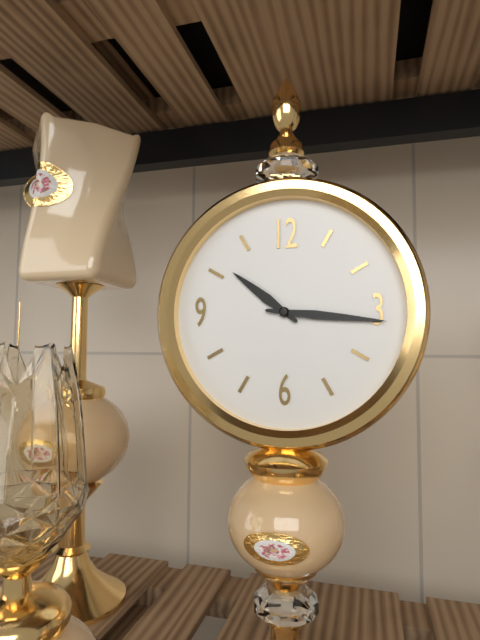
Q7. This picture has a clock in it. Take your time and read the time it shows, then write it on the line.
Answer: 10:16
